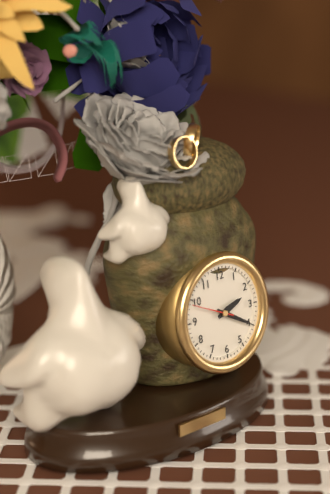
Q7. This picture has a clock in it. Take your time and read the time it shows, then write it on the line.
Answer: 2:20
